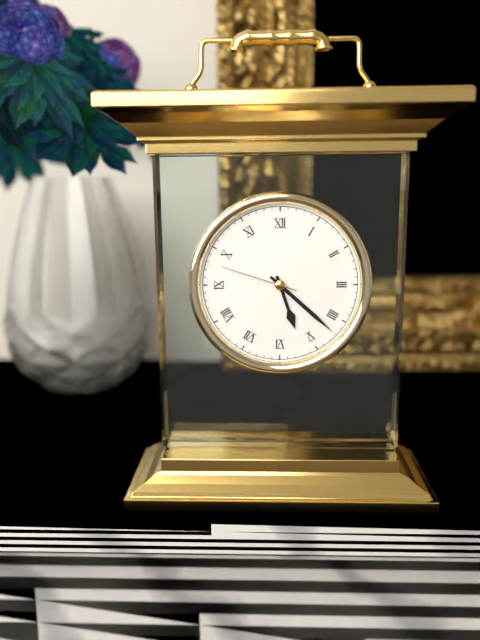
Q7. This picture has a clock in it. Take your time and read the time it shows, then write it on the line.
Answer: 5:22:48
